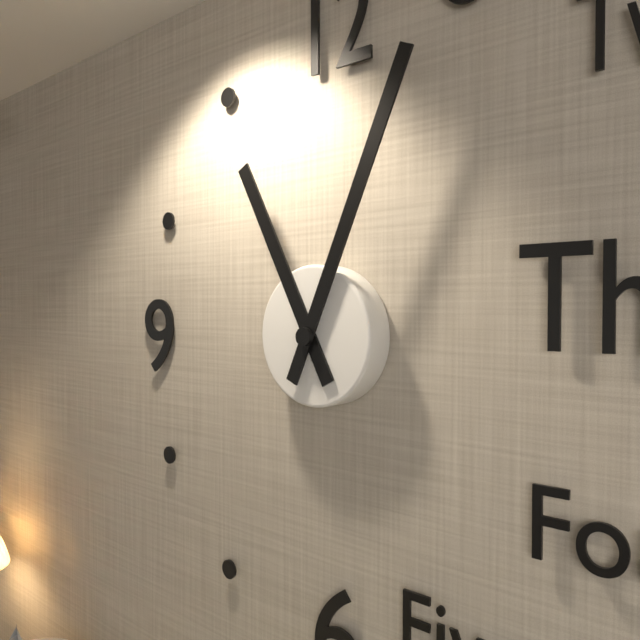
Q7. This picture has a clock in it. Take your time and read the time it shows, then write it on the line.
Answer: 11:04
